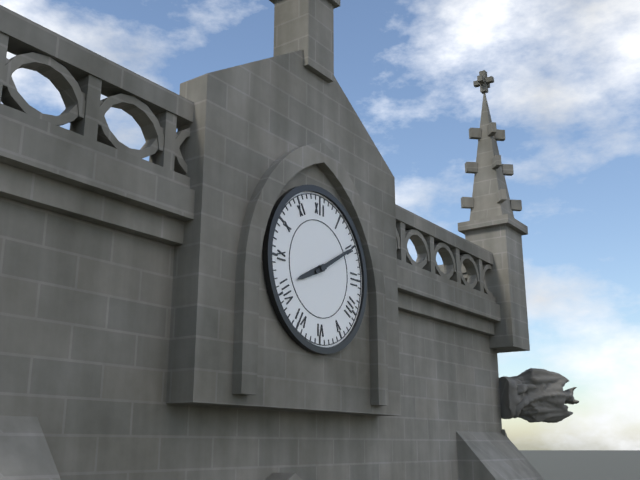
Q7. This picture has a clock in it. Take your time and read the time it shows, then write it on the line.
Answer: 8:10
